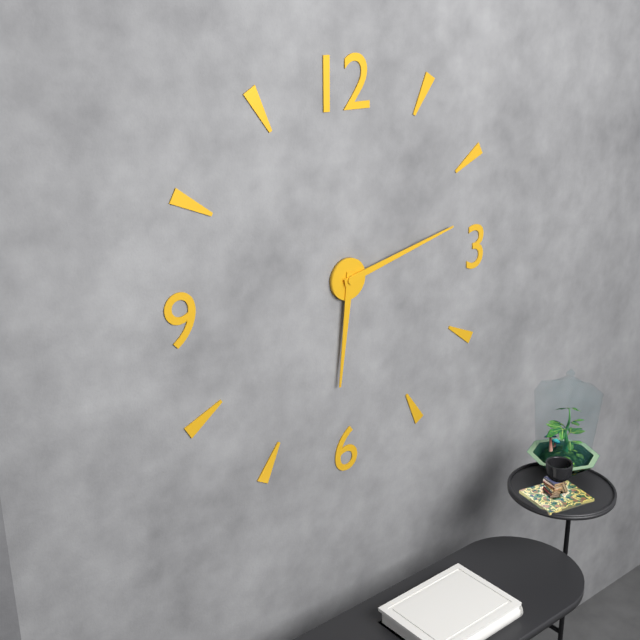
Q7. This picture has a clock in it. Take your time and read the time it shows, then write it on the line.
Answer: 6:13
